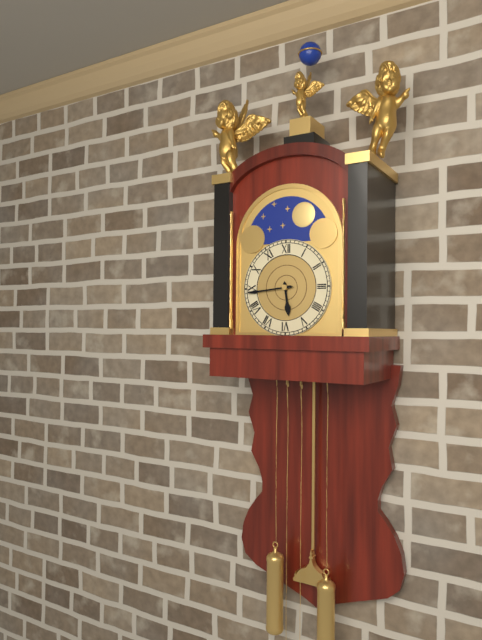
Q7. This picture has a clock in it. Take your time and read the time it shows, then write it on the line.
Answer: 5:44
